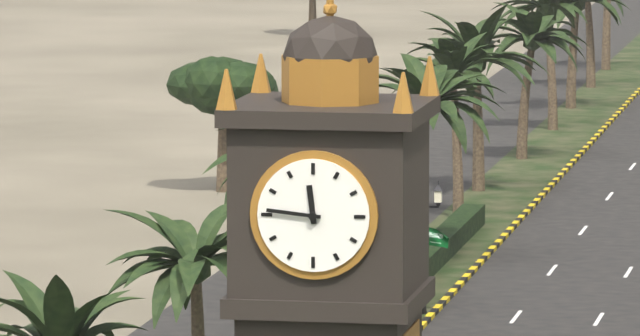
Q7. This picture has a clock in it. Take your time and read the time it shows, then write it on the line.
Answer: 11:46
